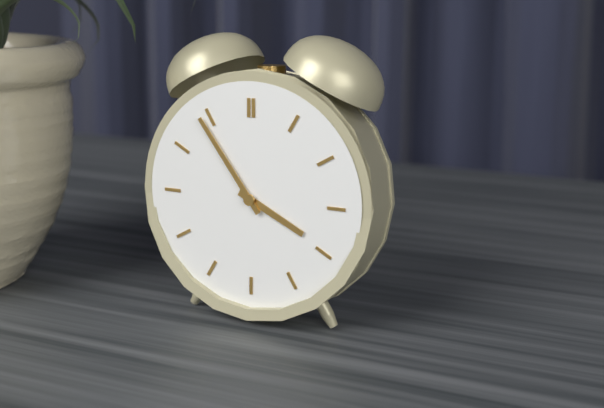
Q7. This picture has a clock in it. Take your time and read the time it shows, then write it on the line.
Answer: 3:54
